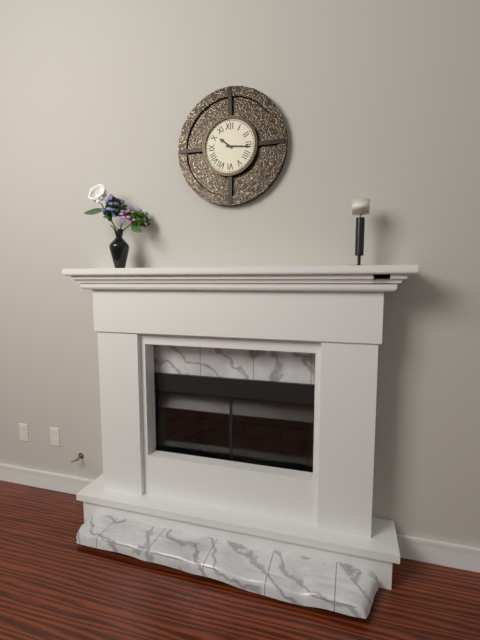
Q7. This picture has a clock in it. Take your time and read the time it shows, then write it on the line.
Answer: 10:16
